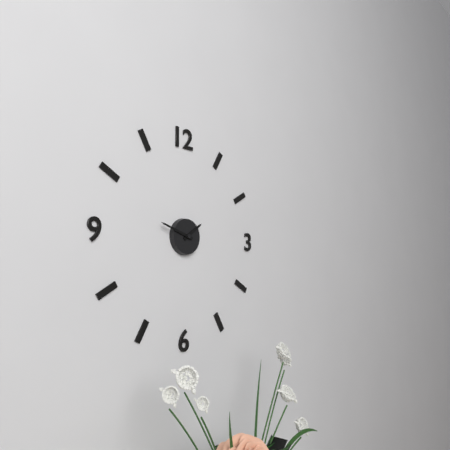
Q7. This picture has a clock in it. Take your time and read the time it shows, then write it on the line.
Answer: 1:48
